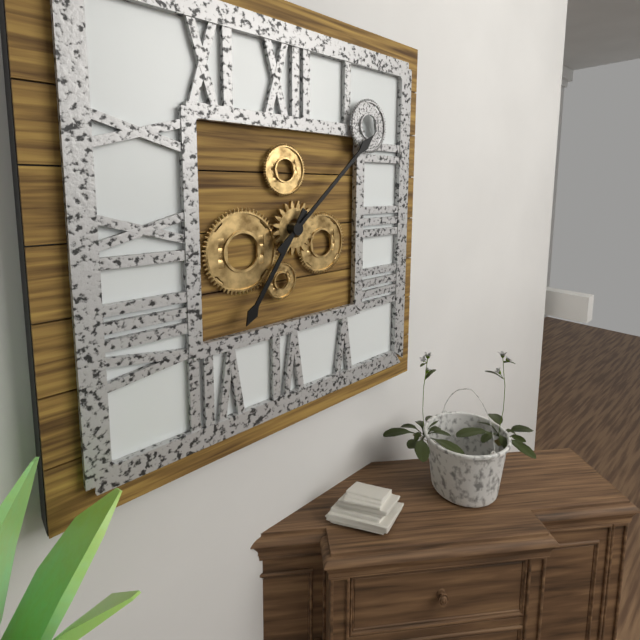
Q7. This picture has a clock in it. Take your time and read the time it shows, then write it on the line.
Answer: 7:08
